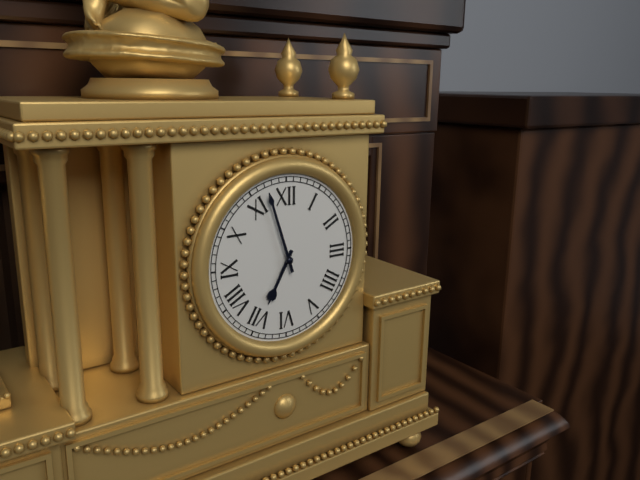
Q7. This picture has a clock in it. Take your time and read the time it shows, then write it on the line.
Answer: 6:57
